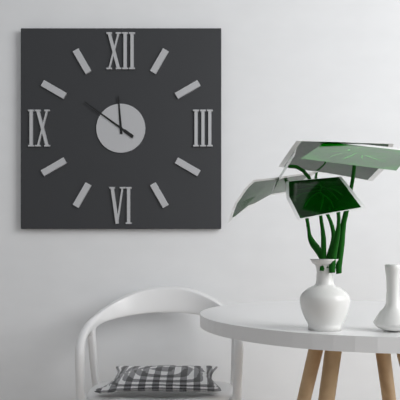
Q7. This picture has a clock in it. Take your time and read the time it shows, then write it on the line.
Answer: 11:51
